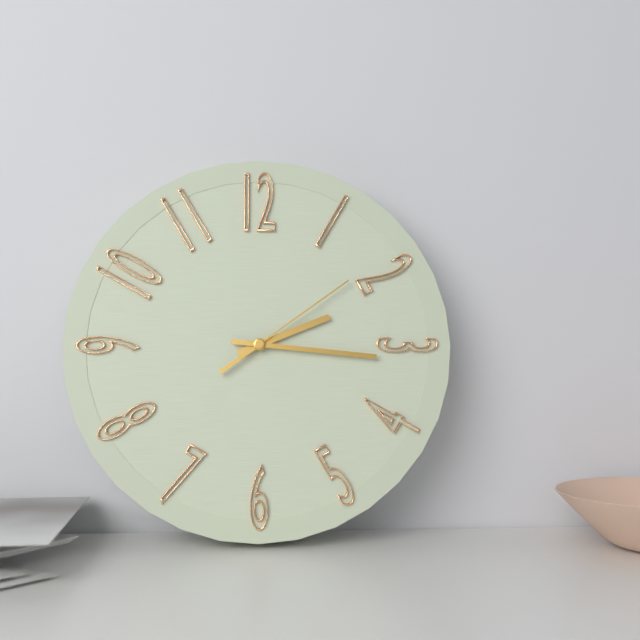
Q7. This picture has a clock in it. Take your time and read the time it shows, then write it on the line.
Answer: 2:16:09
